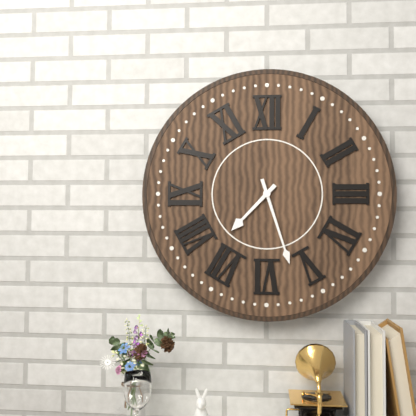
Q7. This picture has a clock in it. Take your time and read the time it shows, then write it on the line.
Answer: 7:27
